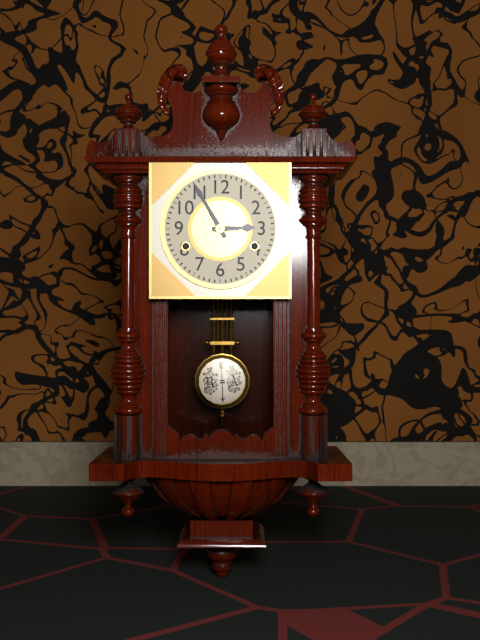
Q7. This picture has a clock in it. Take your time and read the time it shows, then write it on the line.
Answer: 2:55
